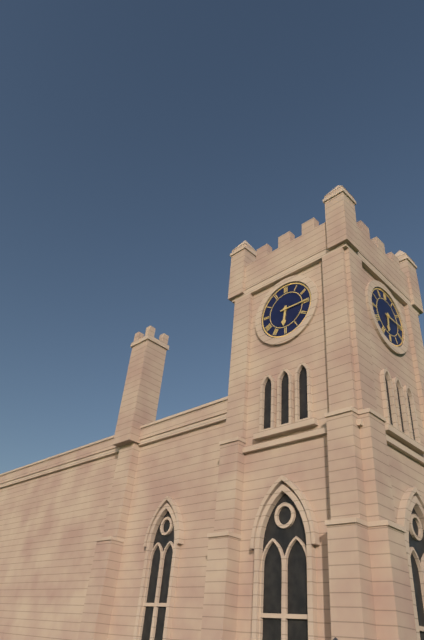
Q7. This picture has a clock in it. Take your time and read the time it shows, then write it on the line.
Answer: 6:15
